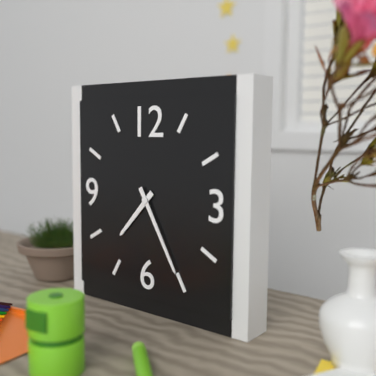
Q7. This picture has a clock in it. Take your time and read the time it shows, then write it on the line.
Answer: 7:25
